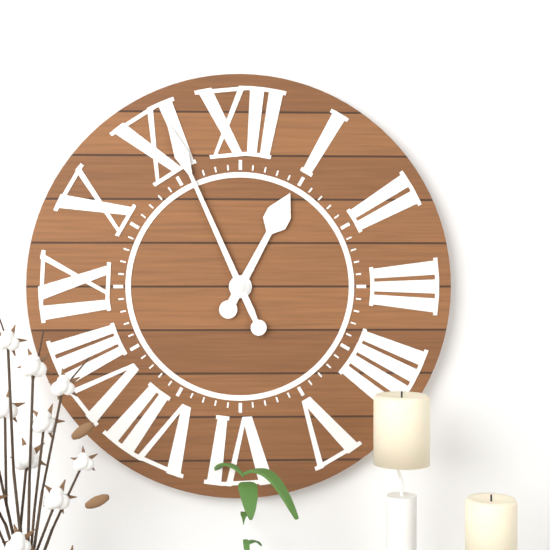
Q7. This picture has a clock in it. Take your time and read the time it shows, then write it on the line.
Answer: 12:56
